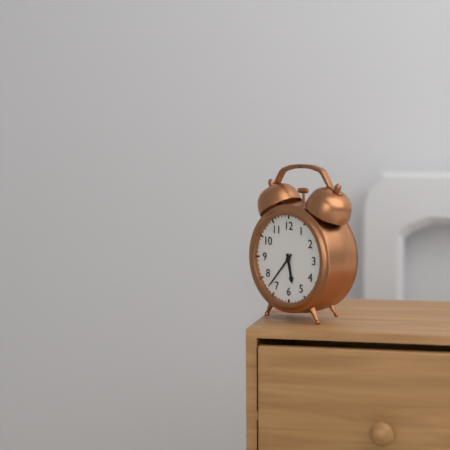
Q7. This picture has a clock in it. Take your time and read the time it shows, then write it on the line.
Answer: 5:37
